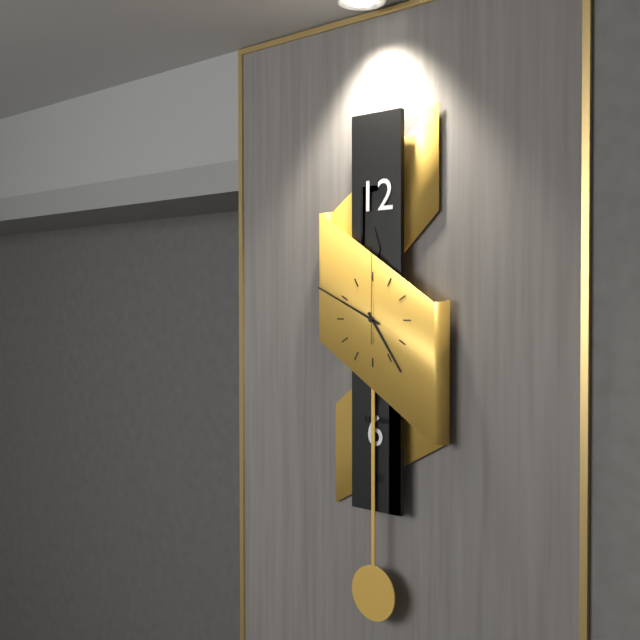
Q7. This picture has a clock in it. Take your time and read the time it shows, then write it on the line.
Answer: 4:49:00
